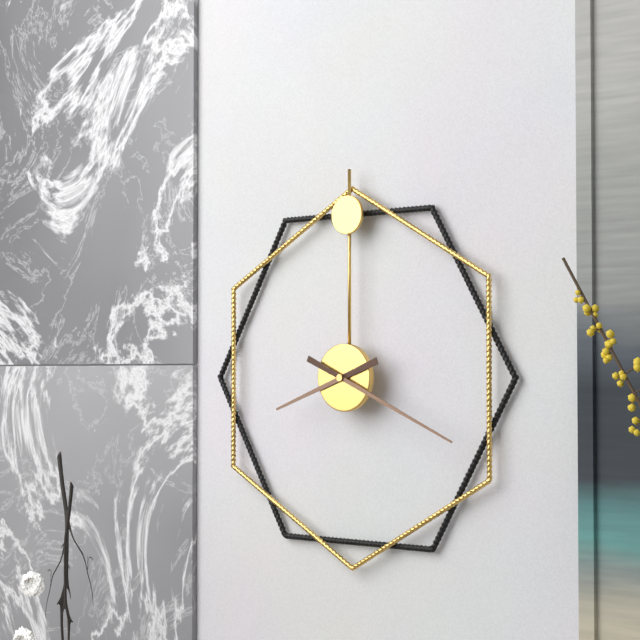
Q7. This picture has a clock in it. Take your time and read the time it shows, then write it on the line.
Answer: 8:19
